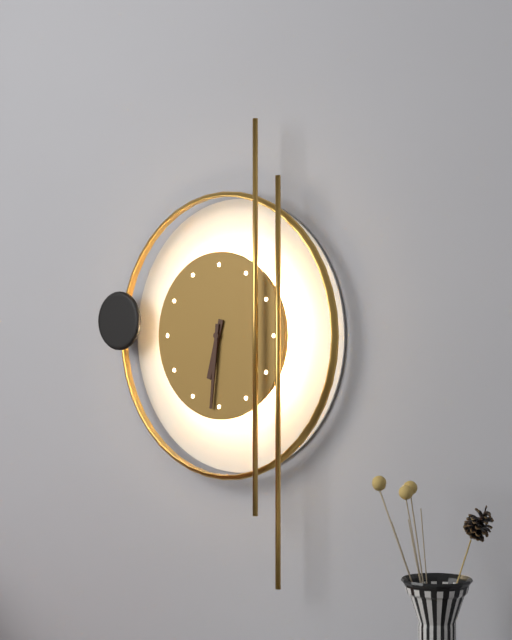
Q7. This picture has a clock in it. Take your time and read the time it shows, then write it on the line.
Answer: 6:31
